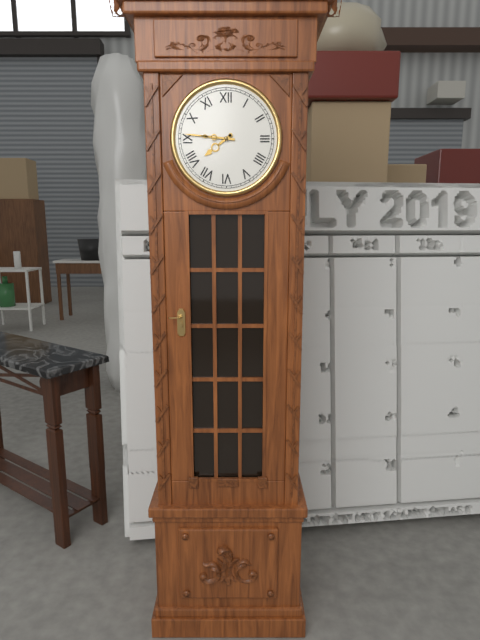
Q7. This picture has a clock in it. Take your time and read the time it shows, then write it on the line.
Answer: 7:46
